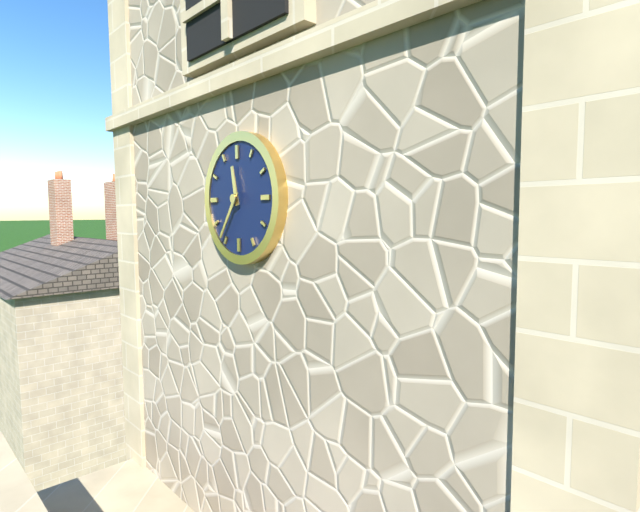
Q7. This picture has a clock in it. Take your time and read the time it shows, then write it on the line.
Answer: 11:36
